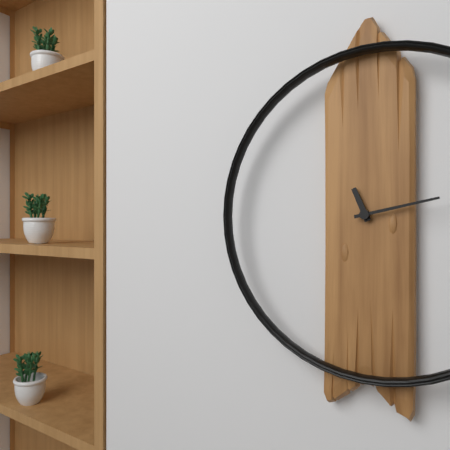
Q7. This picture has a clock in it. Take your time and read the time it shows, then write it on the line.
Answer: 11:13
